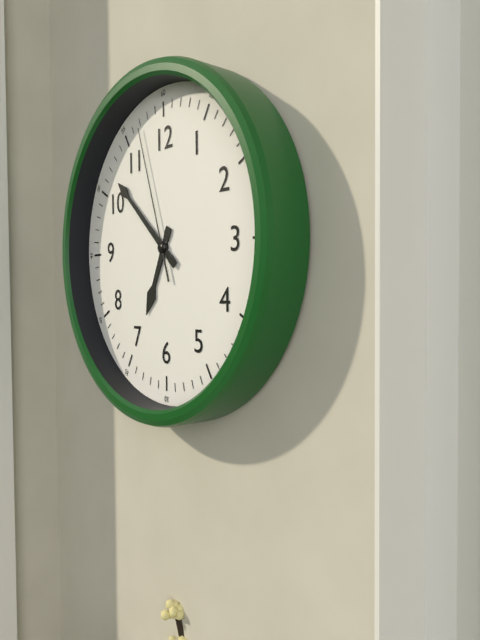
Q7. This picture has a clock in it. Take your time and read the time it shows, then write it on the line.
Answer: 6:52:57
